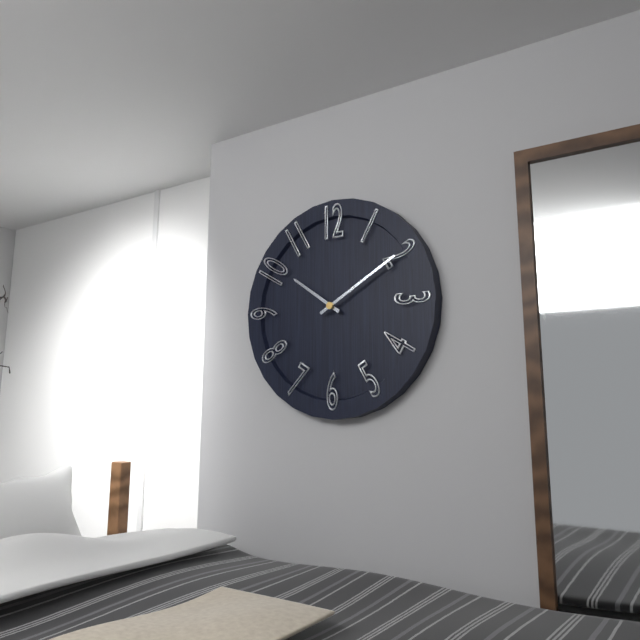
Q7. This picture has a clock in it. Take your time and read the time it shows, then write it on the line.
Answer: 10:10
